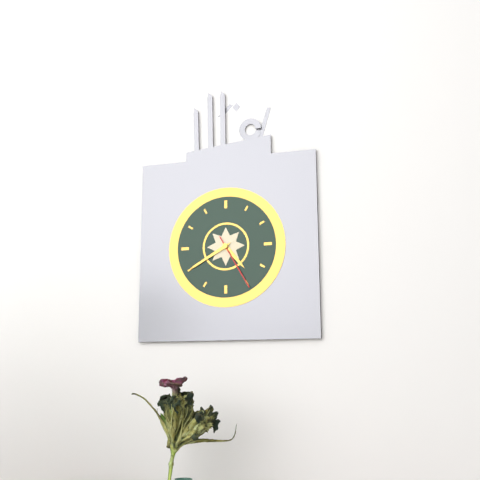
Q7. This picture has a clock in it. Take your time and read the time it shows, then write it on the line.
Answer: 4:40:25
